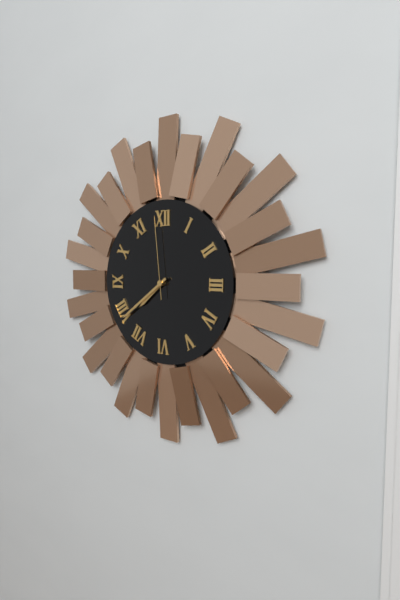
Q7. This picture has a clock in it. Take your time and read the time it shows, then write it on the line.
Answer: 7:39:59
